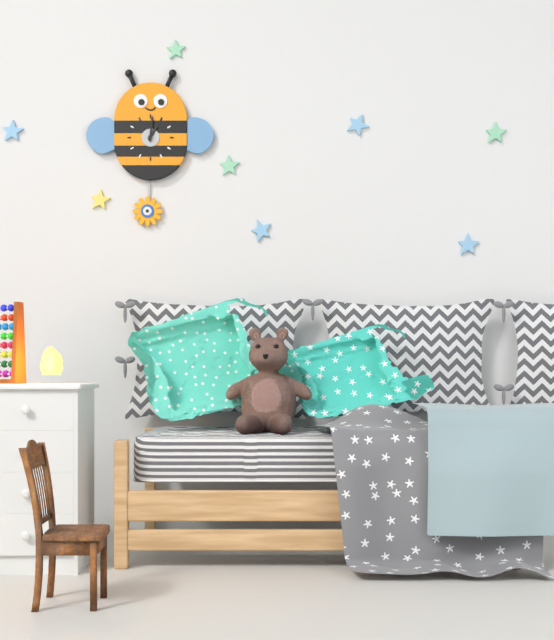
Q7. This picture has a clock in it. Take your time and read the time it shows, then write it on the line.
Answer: 1:01
